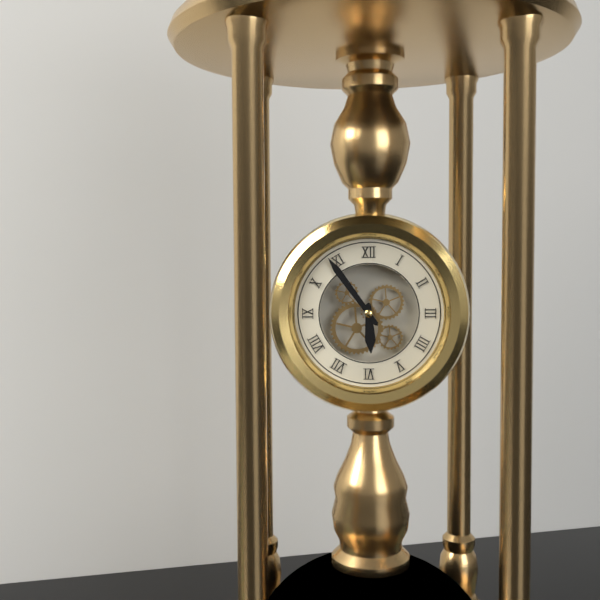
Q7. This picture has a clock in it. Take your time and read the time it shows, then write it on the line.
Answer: 5:54
